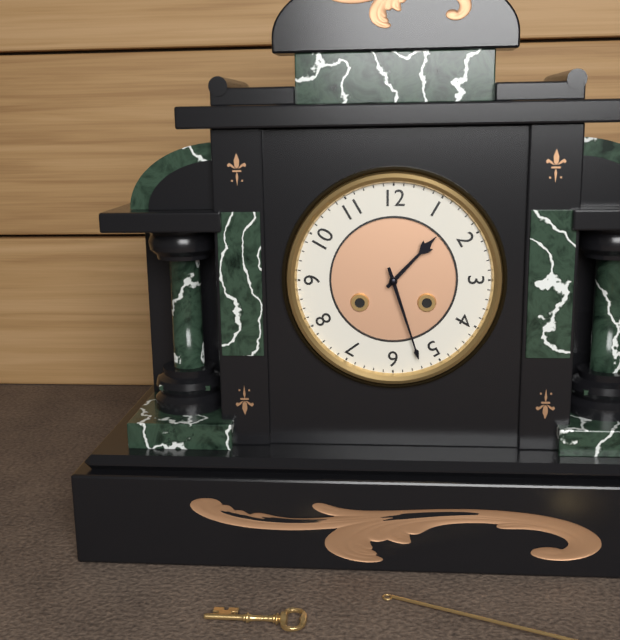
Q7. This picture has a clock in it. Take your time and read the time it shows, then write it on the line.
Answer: 1:27
